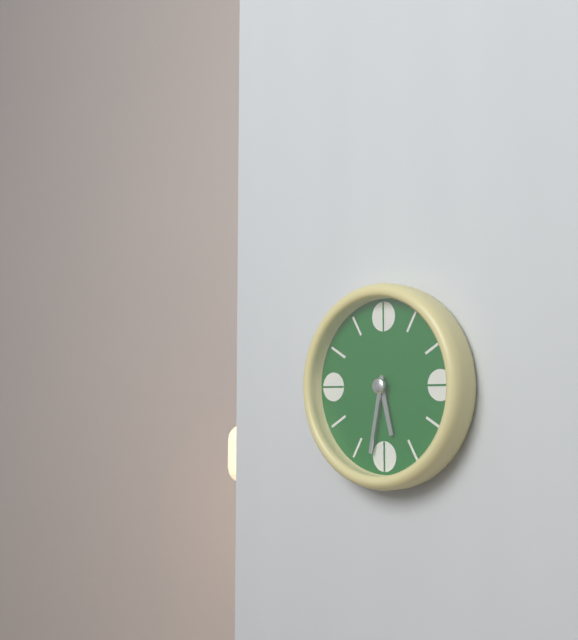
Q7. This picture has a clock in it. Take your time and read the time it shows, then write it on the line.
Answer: 5:32
